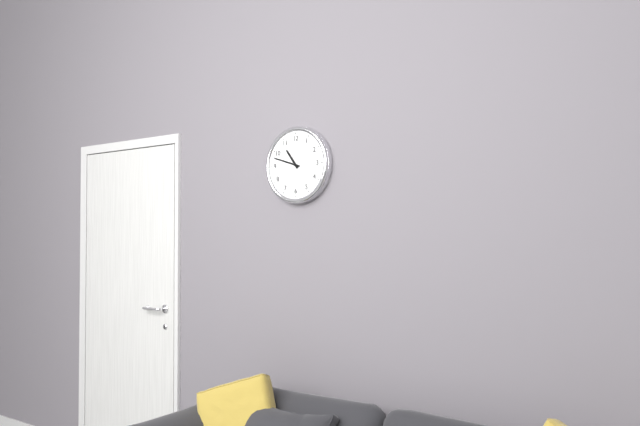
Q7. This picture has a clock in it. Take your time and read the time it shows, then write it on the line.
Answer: 10:48
